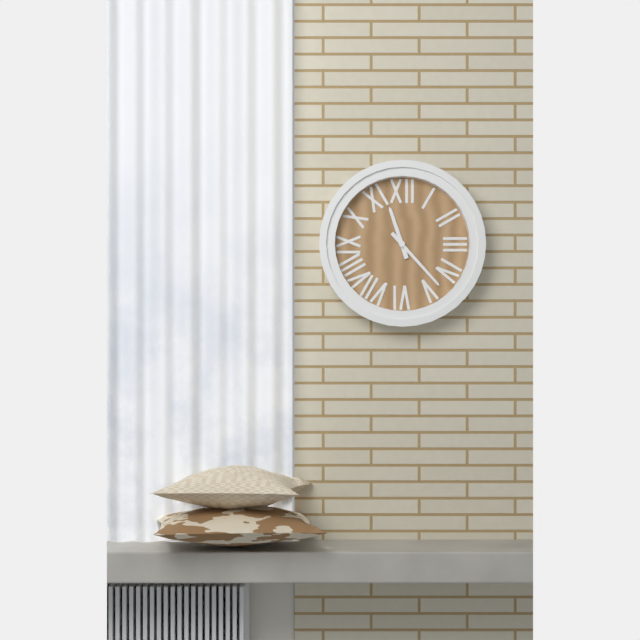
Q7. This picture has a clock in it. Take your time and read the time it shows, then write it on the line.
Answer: 11:23
